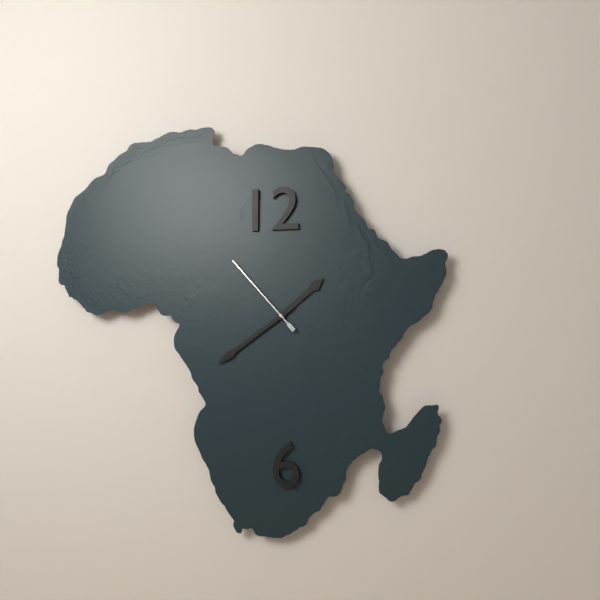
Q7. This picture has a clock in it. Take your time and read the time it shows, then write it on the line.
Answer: 1:39:53
